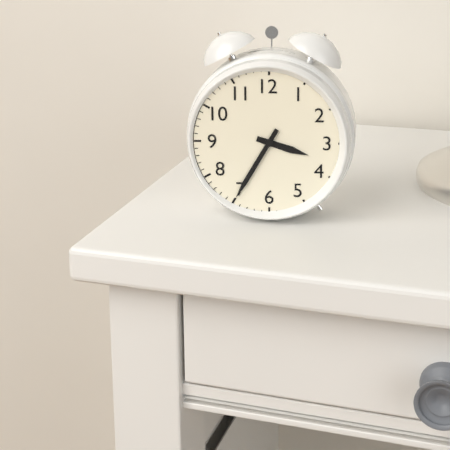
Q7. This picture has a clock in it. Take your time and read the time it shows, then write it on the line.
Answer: 3:35
